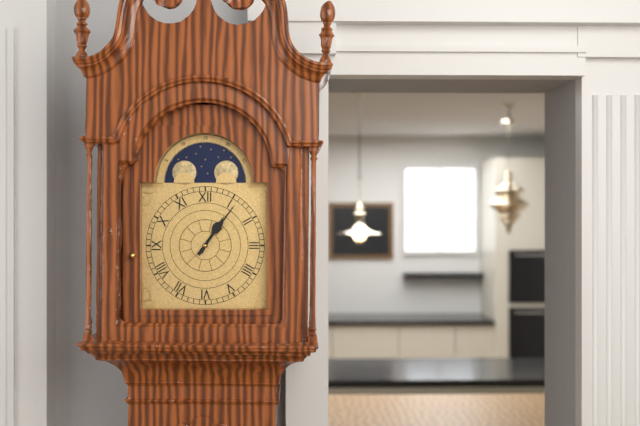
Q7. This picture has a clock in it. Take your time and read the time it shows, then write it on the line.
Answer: 1:06
